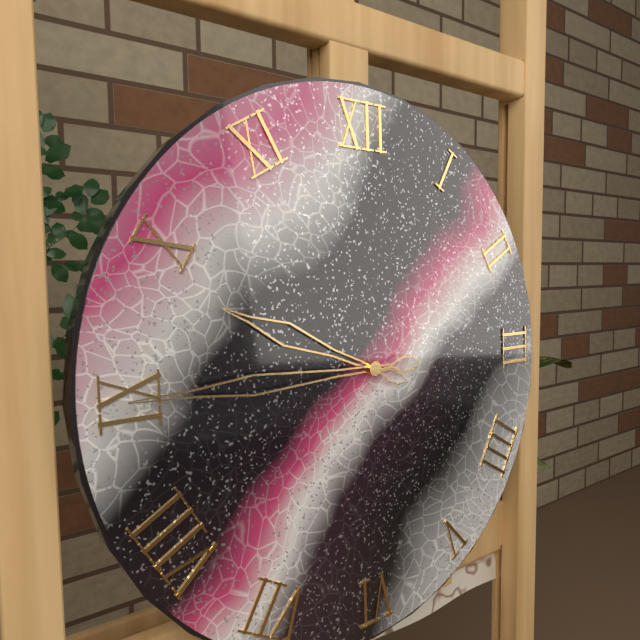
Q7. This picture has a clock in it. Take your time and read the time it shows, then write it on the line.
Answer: 9:45
